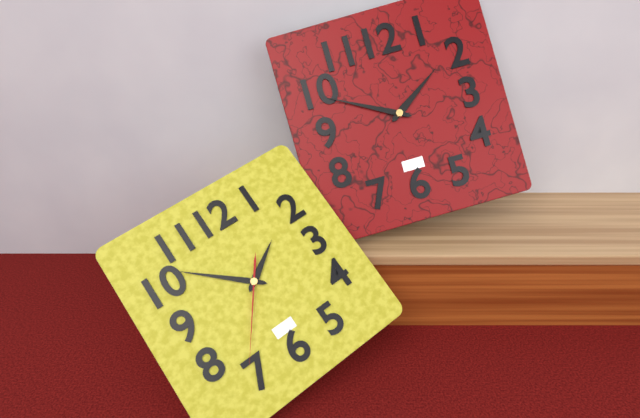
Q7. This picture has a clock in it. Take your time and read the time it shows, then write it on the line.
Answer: 1:52:36
